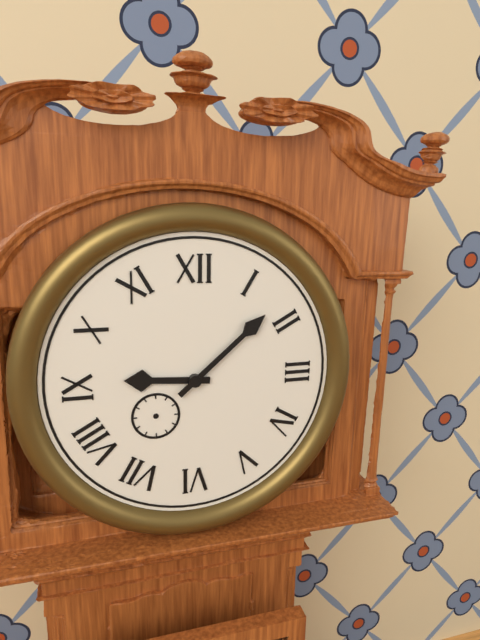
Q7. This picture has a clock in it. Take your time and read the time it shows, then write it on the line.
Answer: 9:08
